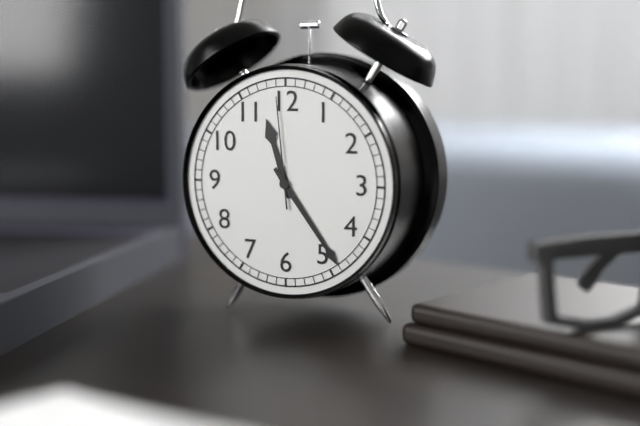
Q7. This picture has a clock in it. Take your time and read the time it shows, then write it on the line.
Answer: 11:24:59
